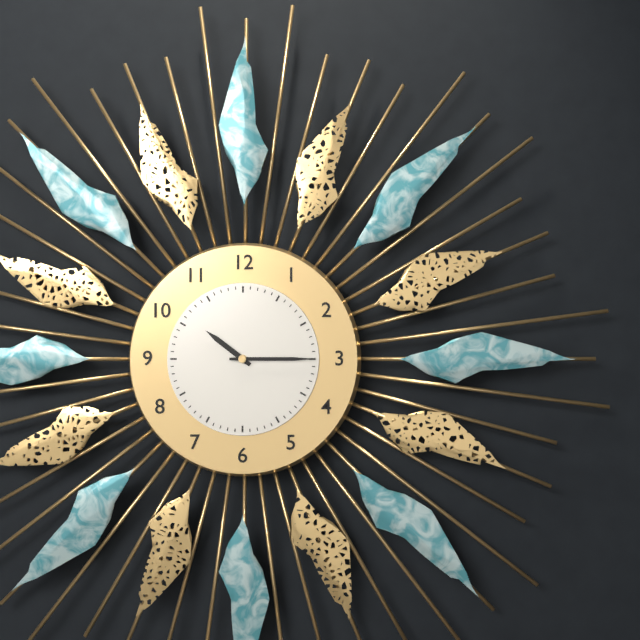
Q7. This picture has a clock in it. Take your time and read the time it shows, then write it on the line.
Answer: 10:15
